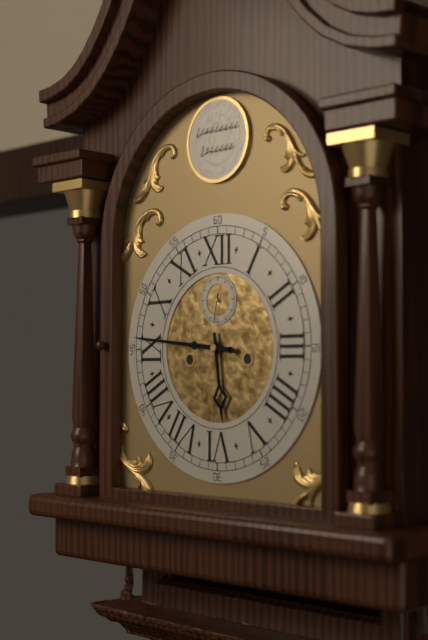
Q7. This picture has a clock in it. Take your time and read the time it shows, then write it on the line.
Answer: 5:46:32
